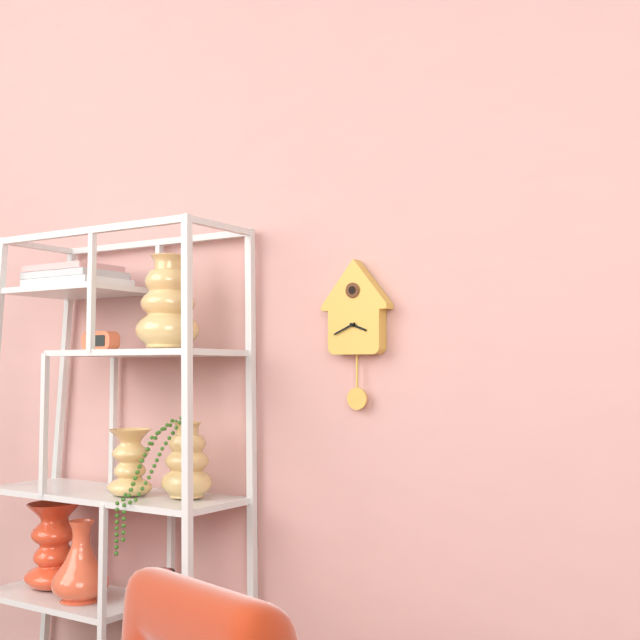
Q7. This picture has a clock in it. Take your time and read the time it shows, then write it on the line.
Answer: 3:41
